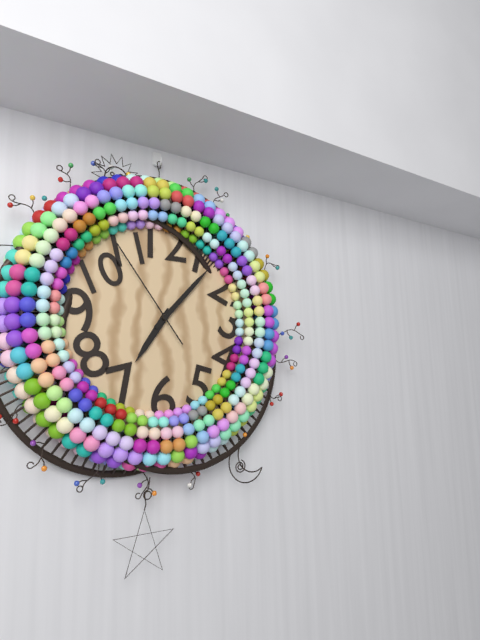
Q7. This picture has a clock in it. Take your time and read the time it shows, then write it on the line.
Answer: 7:07:54
